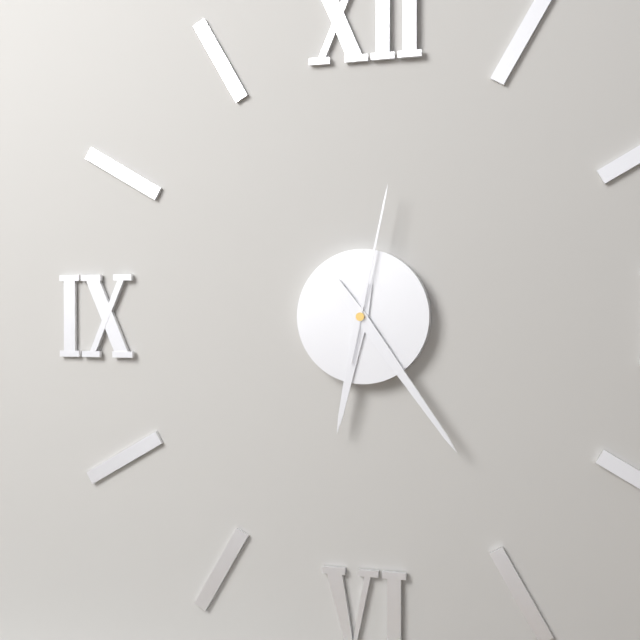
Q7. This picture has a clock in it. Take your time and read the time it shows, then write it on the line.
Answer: 6:24:02
